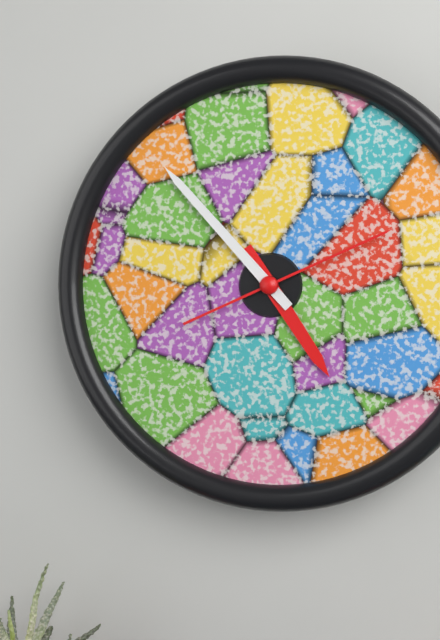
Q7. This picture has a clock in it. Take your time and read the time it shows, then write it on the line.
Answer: 4:53:11
